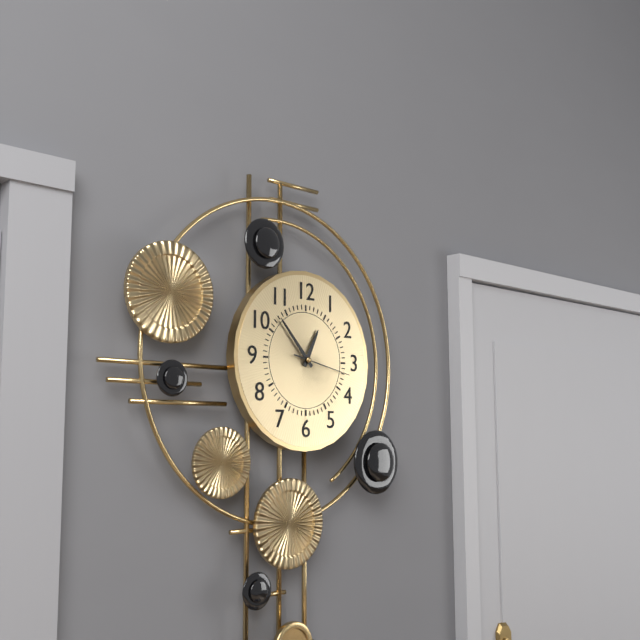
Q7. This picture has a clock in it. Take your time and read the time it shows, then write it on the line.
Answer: 12:53:17
